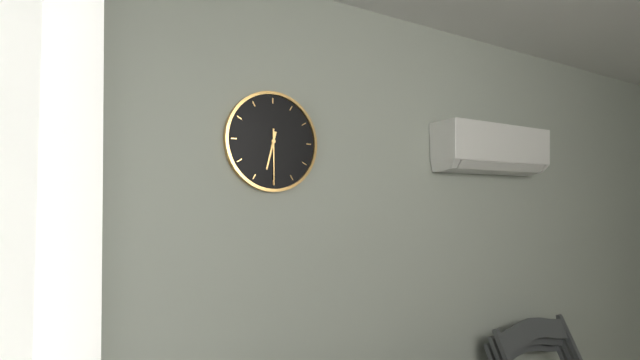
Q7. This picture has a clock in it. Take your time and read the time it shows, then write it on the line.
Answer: 6:30
